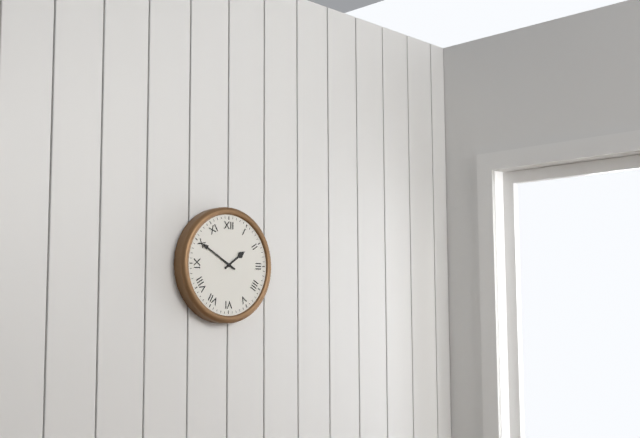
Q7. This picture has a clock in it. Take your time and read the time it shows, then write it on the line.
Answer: 1:50
